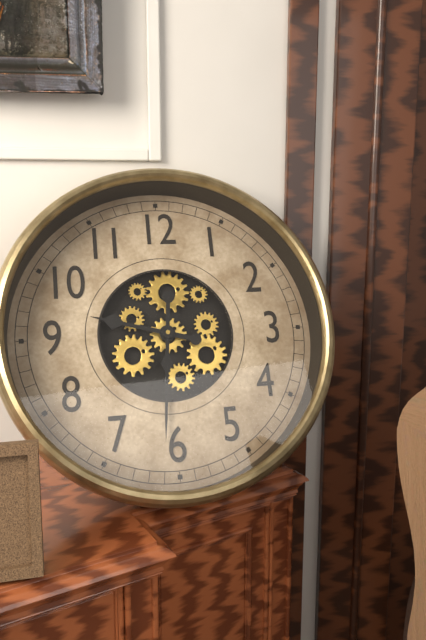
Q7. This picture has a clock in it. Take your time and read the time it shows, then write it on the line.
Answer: 9:31
